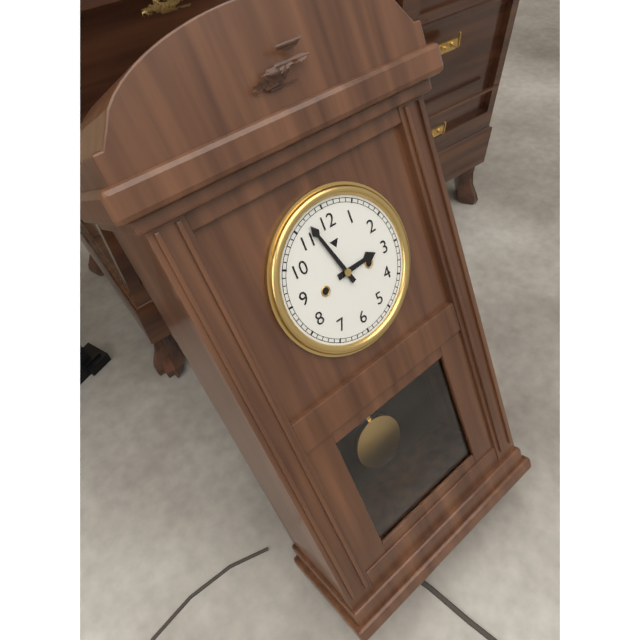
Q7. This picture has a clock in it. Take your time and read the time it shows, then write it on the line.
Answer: 2:57
